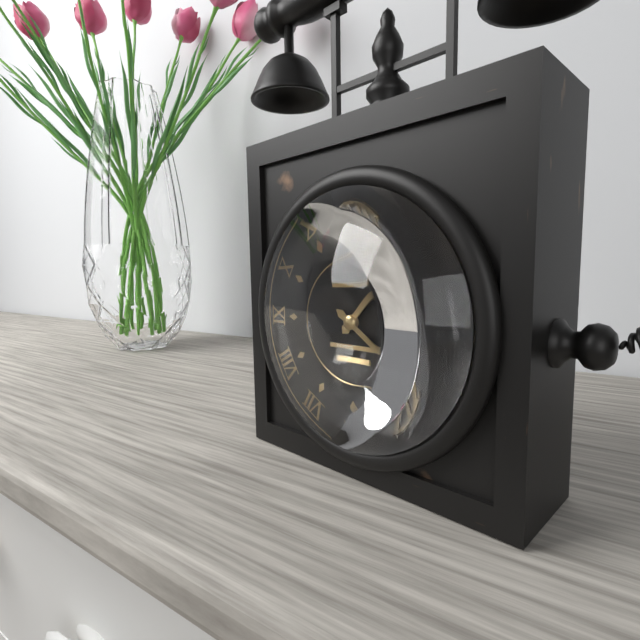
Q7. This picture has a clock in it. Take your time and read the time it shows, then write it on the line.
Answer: 1:21
